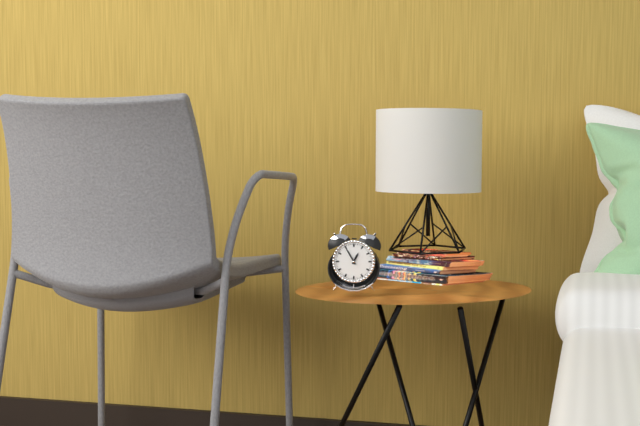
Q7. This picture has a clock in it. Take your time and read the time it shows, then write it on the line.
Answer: 12:55
